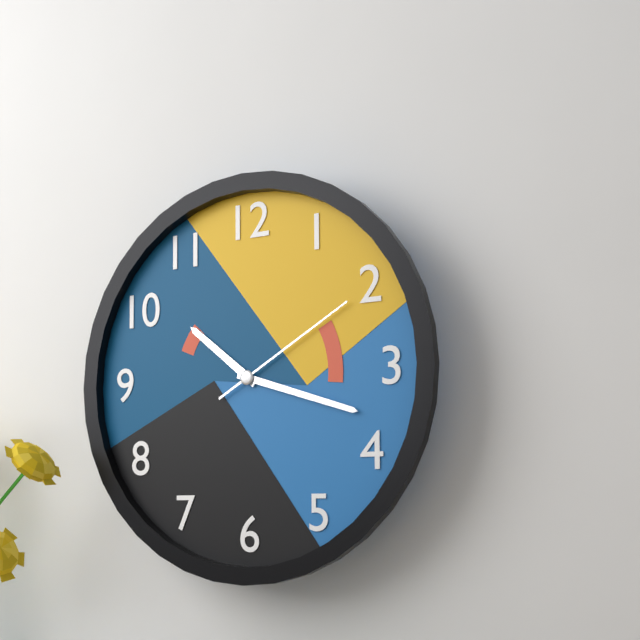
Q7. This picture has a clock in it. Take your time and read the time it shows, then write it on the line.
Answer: 10:18:10
